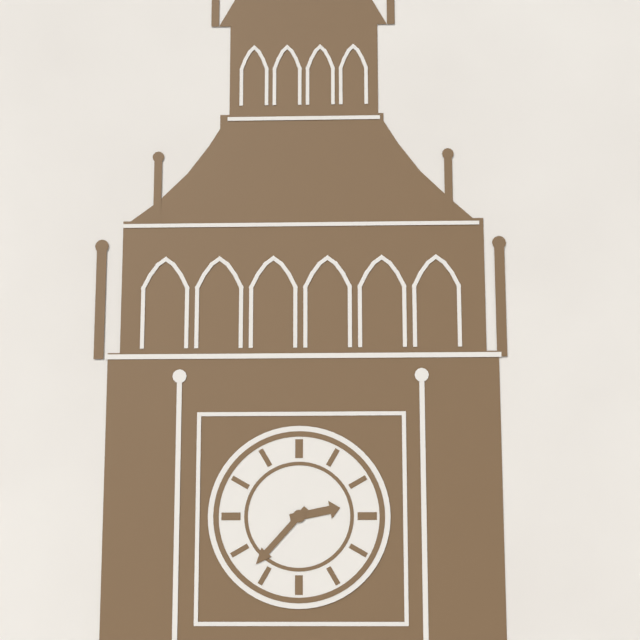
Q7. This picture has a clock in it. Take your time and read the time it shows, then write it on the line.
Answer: 2:37
